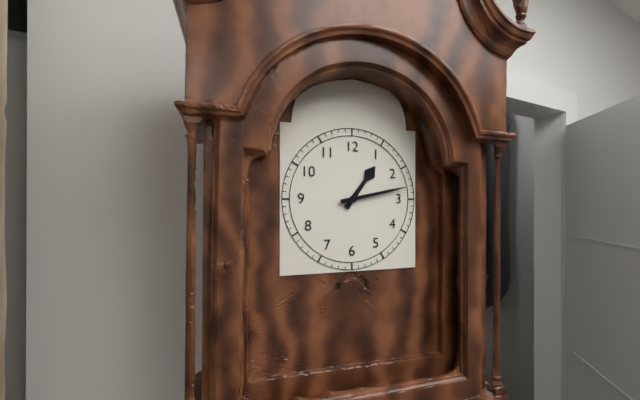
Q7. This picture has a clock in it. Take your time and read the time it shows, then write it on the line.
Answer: 1:13
